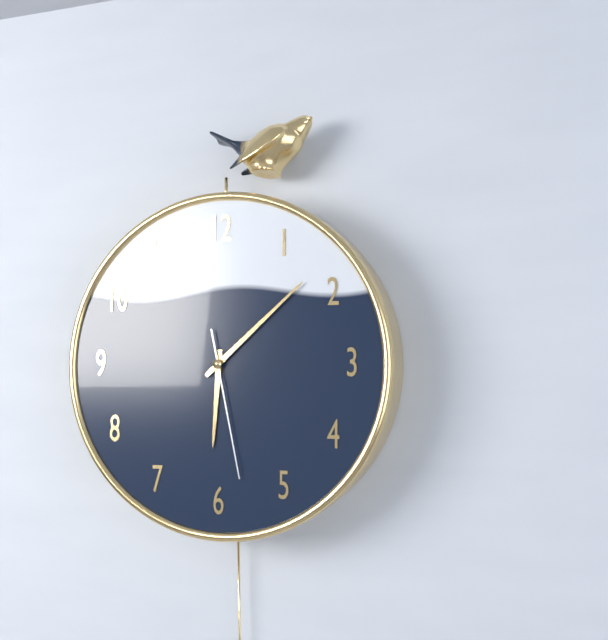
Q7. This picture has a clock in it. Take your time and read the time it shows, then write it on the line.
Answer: 6:08:28
